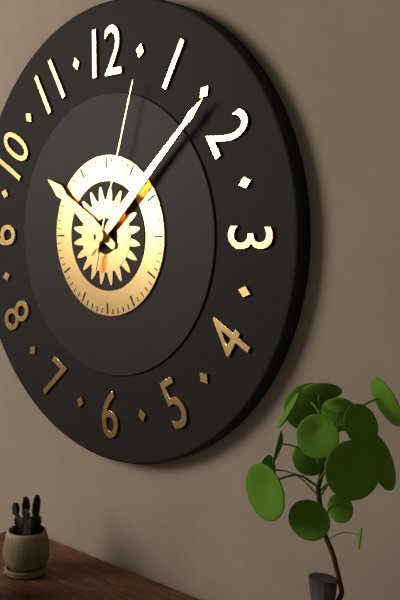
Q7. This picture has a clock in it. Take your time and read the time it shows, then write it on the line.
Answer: 10:08:03
